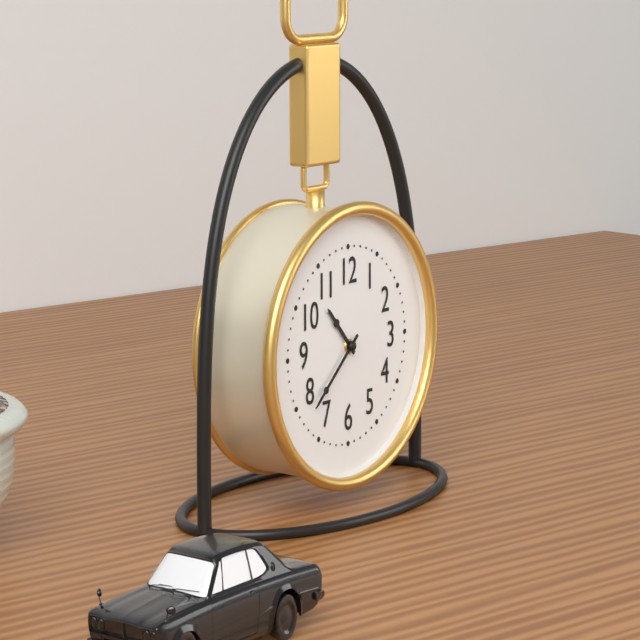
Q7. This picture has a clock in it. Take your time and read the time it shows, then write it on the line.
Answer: 10:38
